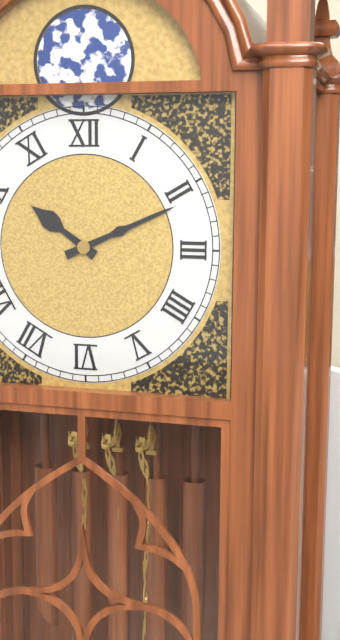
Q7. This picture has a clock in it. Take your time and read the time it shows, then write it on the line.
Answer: 10:11
